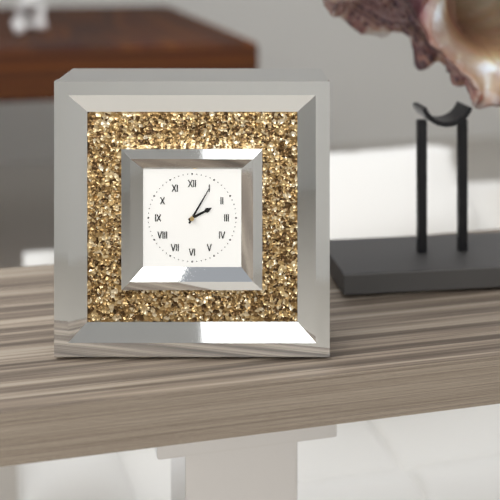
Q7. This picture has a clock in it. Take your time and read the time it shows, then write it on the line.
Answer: 2:05
